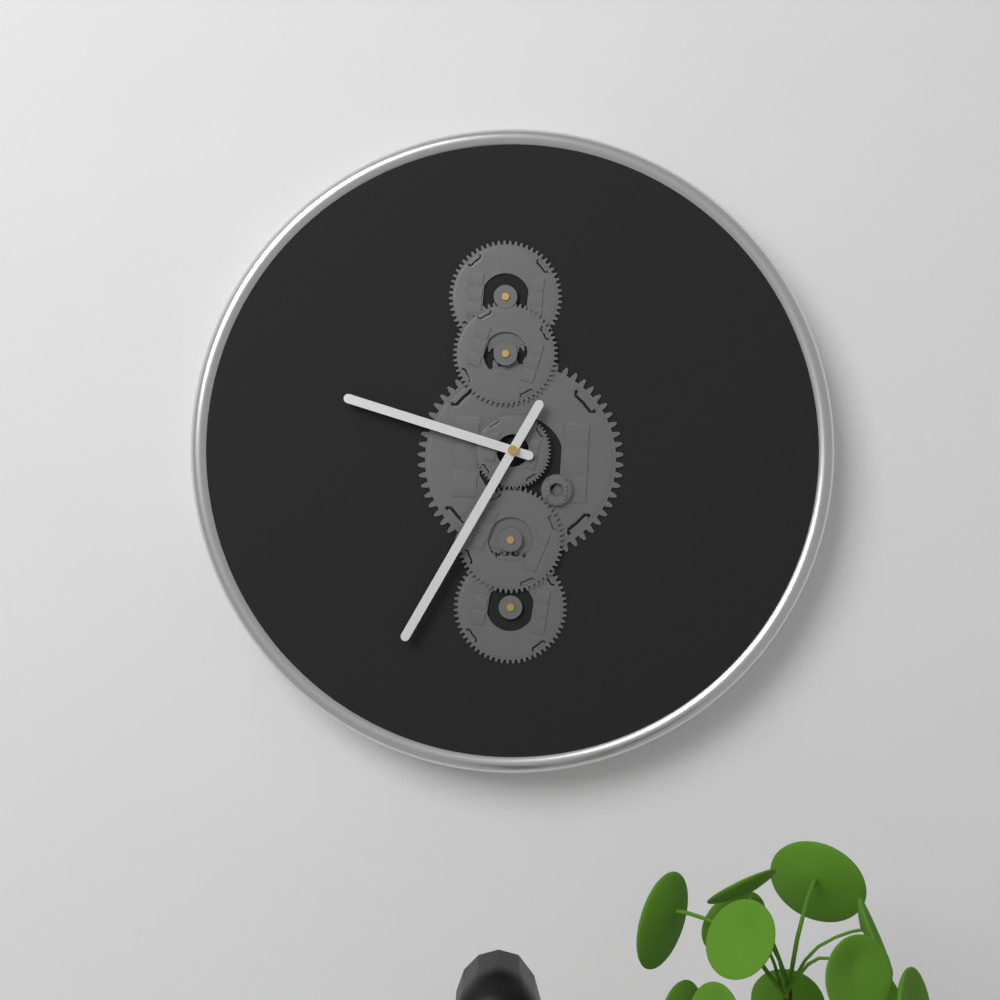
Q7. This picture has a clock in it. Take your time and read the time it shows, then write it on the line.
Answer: 9:35
